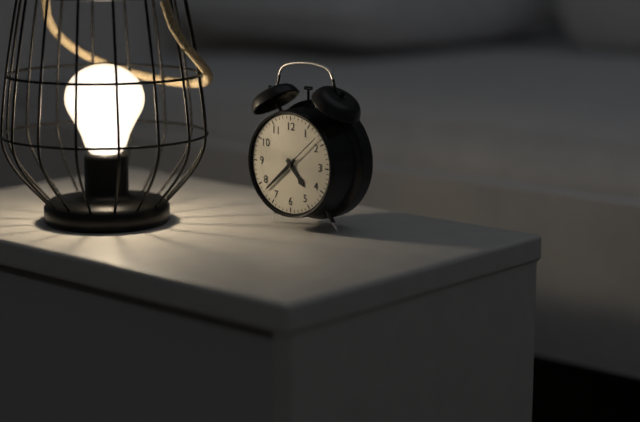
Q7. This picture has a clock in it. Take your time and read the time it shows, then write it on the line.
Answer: 4:38
